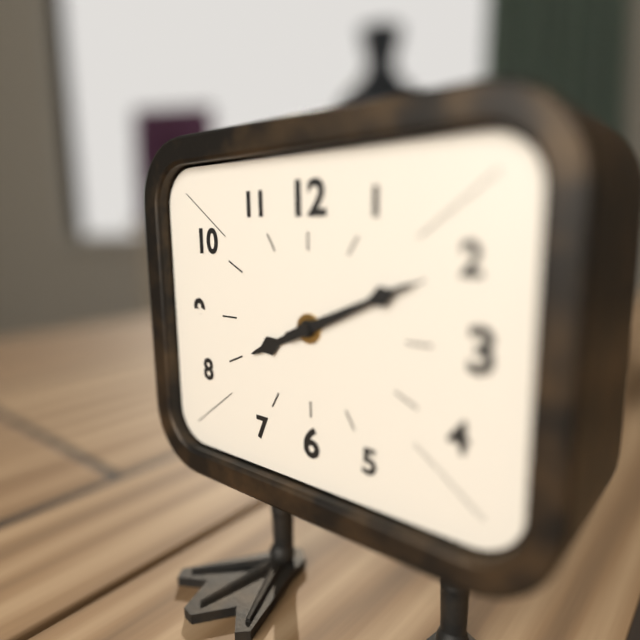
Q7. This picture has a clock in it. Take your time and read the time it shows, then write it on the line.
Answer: 8:11
